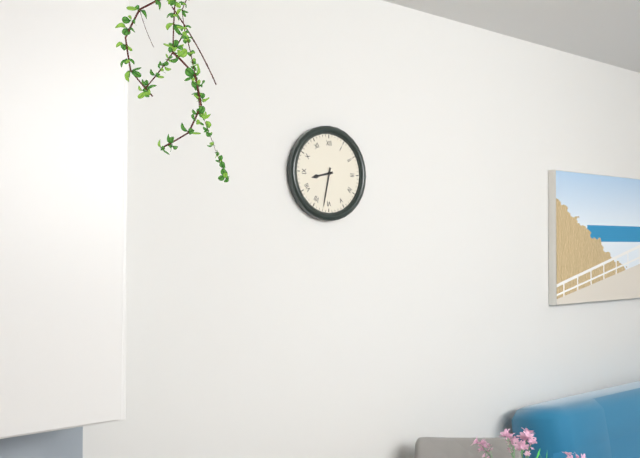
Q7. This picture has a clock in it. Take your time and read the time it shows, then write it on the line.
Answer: 8:32
